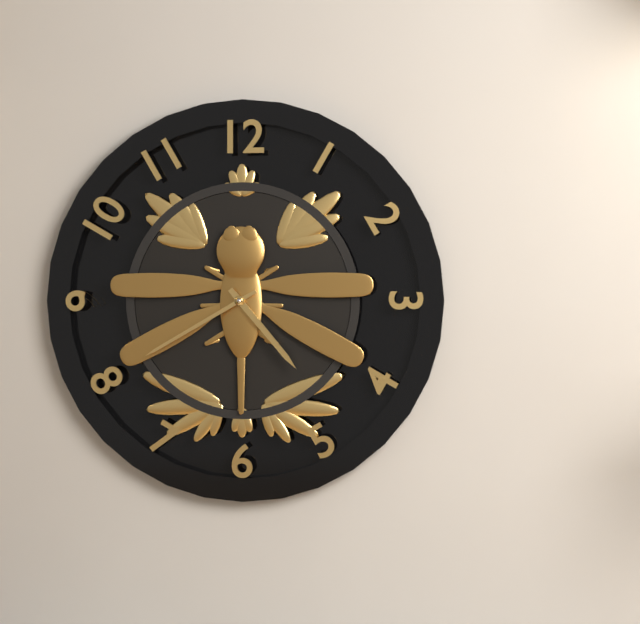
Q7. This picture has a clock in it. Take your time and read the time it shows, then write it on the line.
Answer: 4:40
